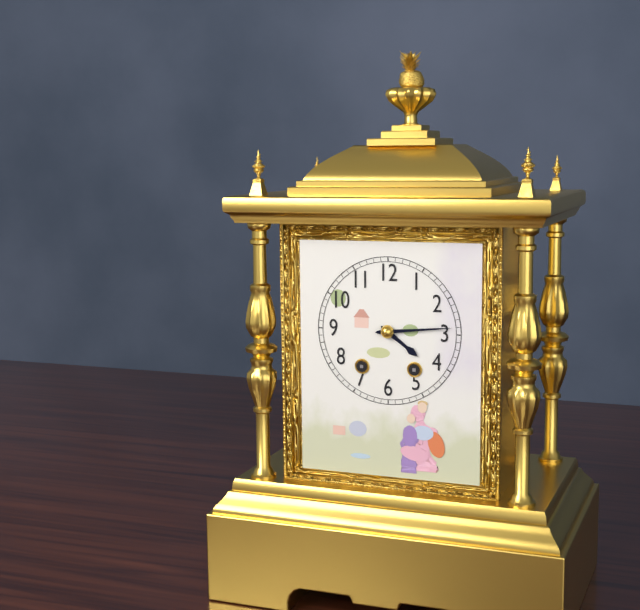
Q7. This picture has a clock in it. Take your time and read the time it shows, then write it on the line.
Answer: 4:14
